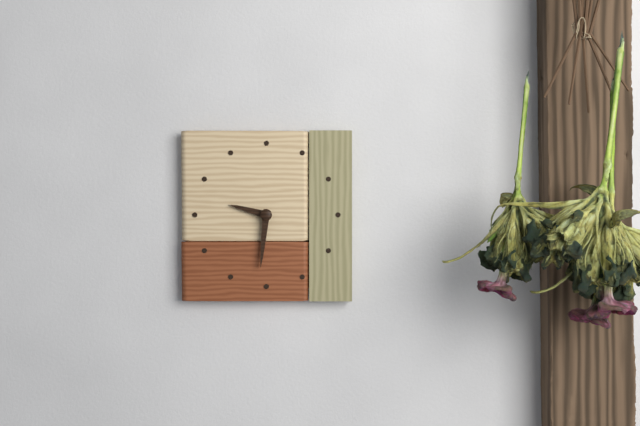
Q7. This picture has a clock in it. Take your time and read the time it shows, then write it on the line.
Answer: 9:31
